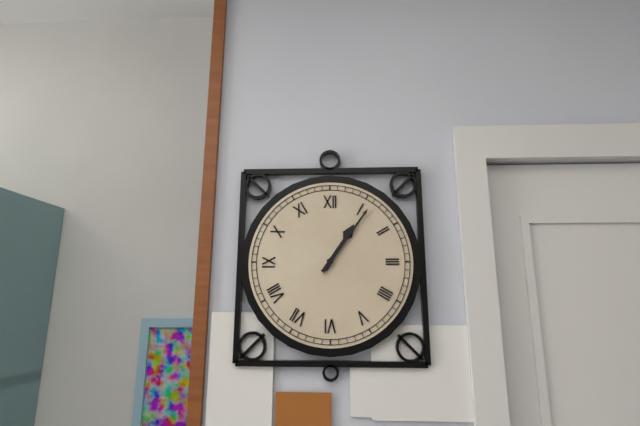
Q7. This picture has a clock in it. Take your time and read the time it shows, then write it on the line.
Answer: 1:06
